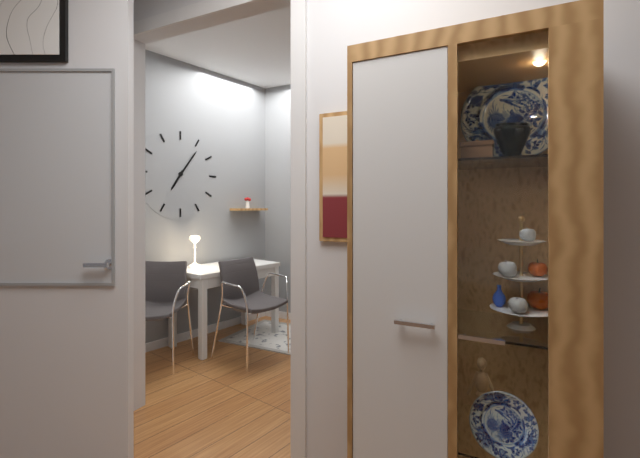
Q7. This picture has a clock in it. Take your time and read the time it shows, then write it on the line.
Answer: 7:06
